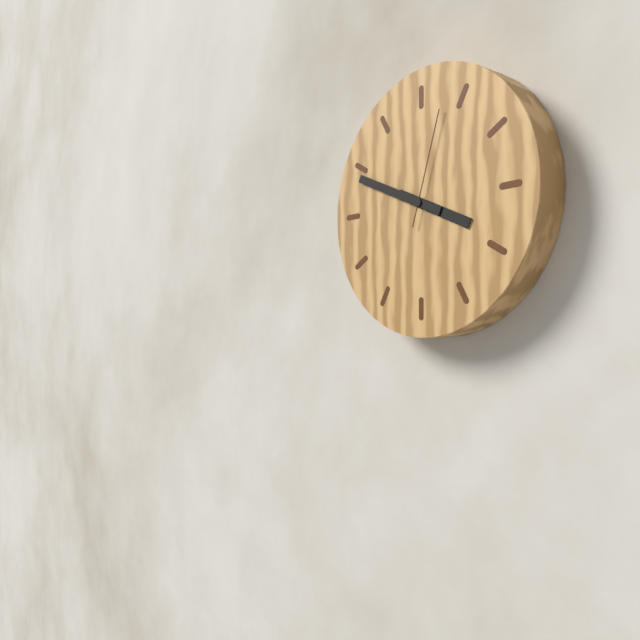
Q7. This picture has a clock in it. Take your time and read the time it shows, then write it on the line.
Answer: 3:49:03
